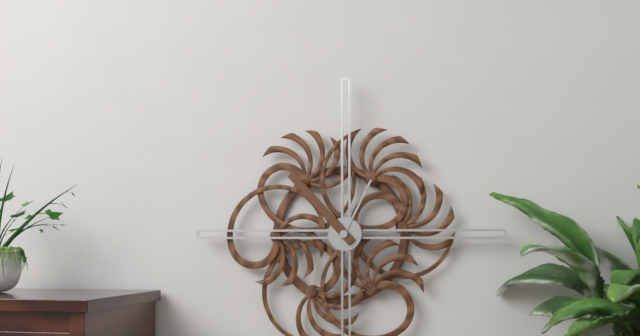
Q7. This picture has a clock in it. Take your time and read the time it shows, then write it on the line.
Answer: 12:53
